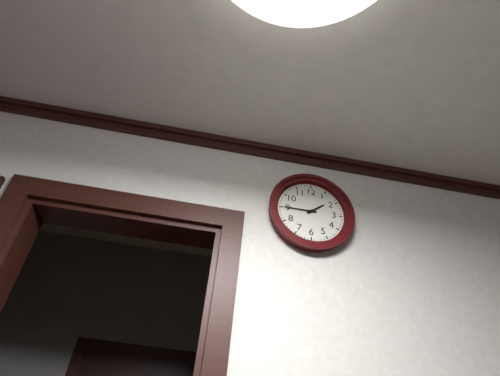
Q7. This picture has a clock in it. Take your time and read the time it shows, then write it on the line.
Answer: 1:45
